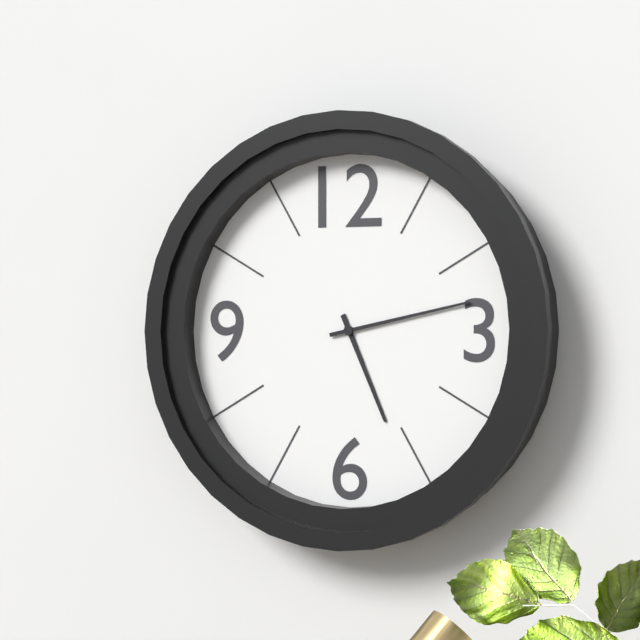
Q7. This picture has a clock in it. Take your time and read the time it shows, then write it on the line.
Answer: 5:13
